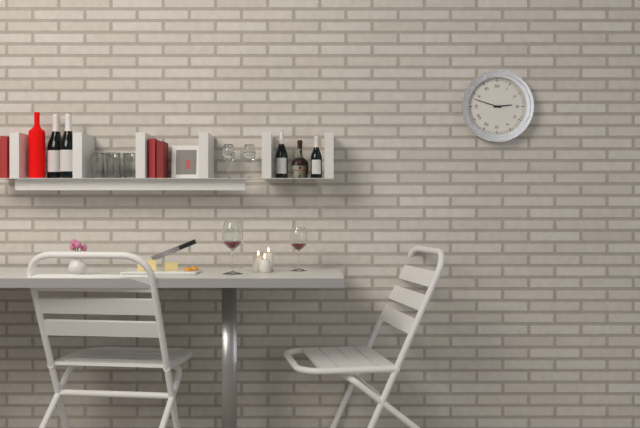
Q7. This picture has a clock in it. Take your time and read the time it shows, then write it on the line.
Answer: 2:48
